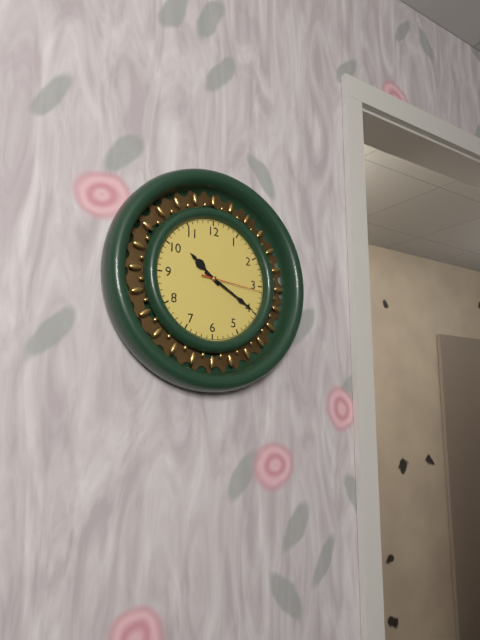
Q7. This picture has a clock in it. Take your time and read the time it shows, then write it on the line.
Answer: 10:20:16
